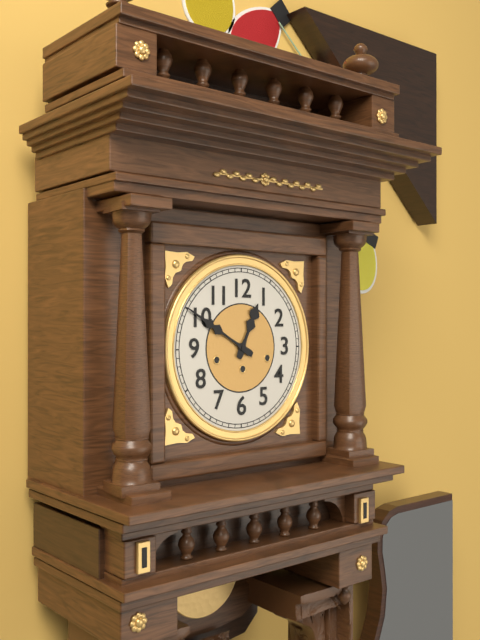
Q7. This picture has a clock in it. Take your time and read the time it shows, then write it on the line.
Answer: 12:50
